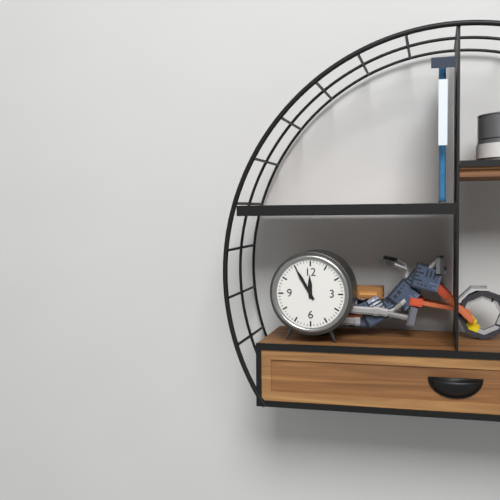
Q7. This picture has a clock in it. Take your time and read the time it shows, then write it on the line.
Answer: 11:55
